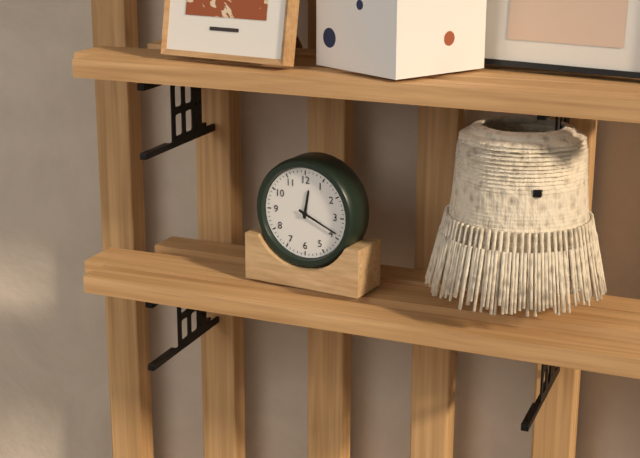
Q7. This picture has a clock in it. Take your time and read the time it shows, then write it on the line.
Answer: 12:19
